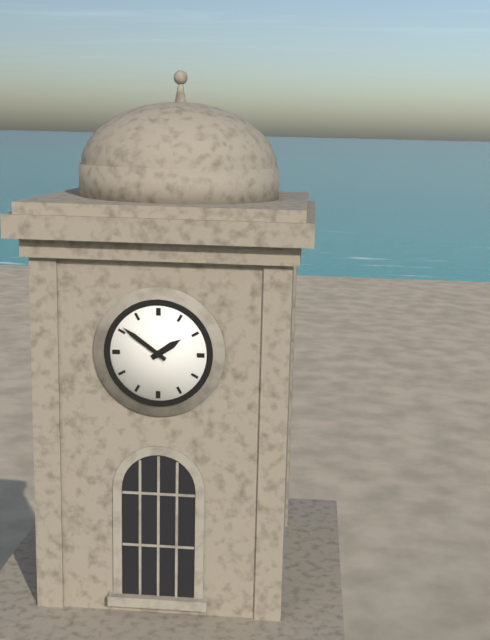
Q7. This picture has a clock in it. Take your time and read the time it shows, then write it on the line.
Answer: 1:51
